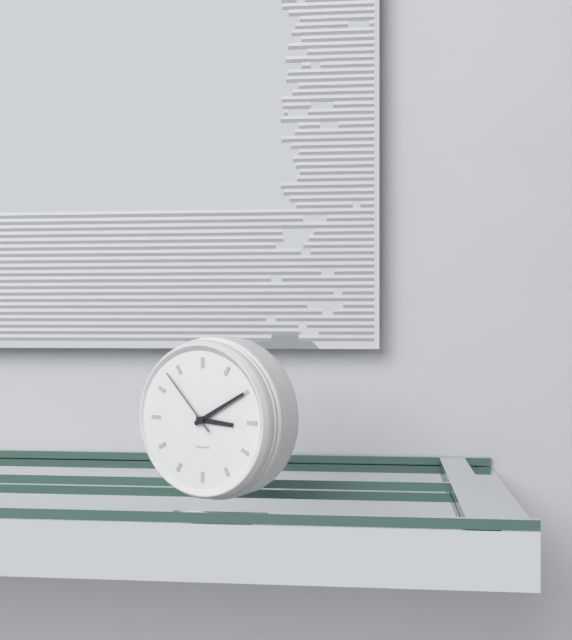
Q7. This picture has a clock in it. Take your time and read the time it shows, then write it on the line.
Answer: 3:10:53
